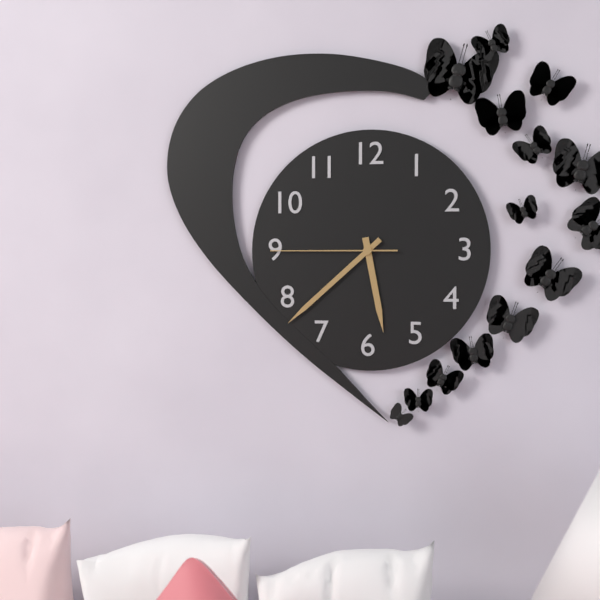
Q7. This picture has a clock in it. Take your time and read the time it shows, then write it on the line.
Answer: 5:38:45
